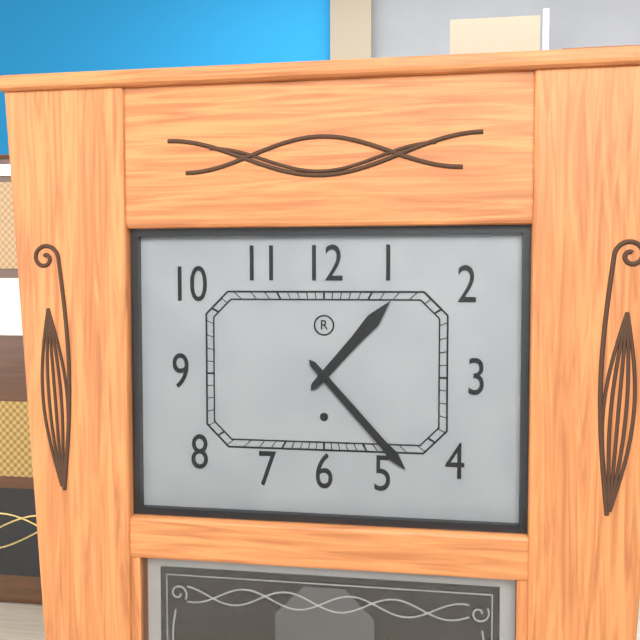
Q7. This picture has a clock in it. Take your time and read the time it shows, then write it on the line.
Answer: 1:23
